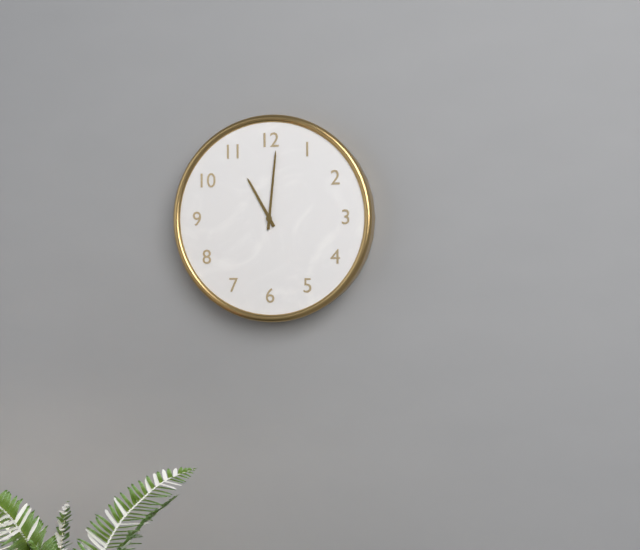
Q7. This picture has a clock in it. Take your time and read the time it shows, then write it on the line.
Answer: 11:01
